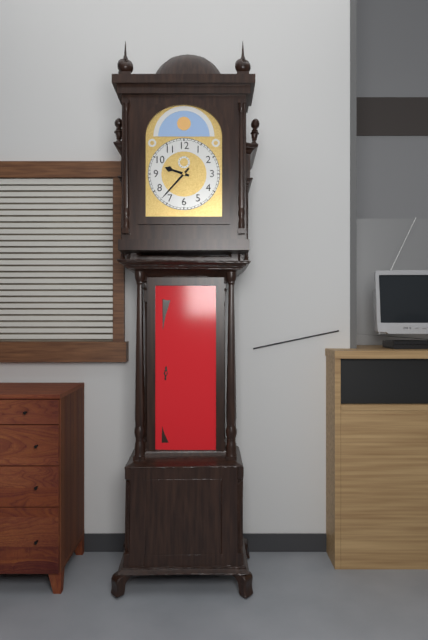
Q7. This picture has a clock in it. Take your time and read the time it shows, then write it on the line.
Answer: 9:37
